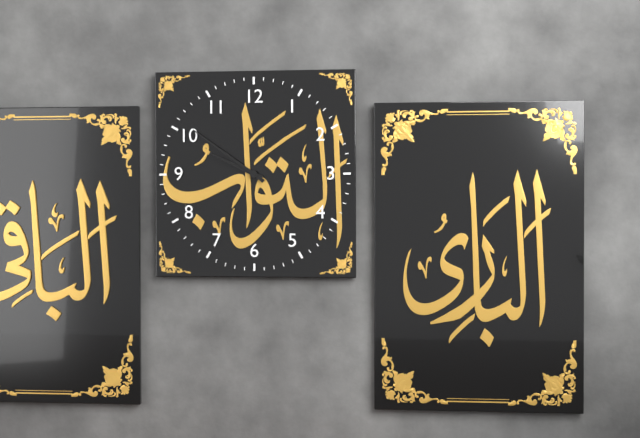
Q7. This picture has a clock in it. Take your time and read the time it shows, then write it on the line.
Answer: 9:51
